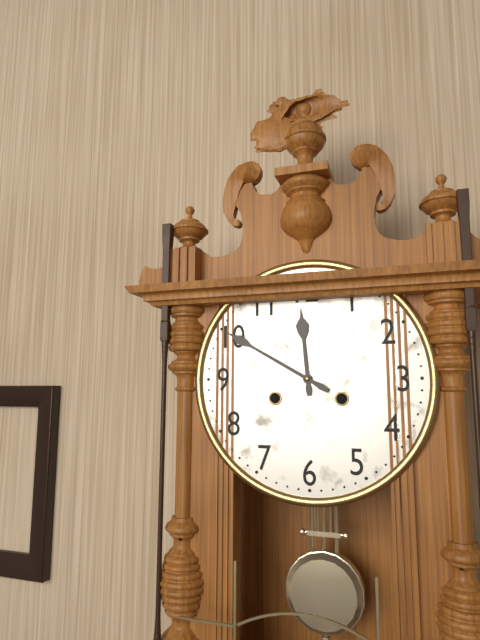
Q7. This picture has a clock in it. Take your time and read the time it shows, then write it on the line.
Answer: 11:50
